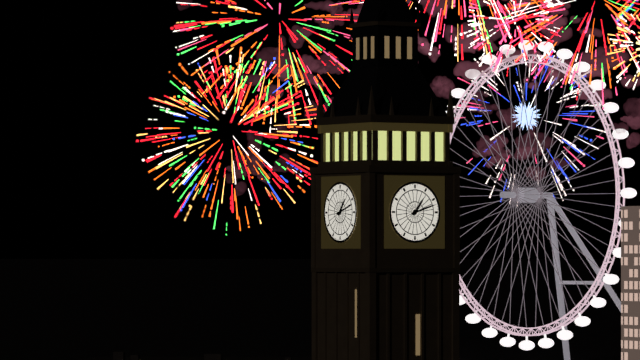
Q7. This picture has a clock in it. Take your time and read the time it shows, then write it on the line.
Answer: 1:12
